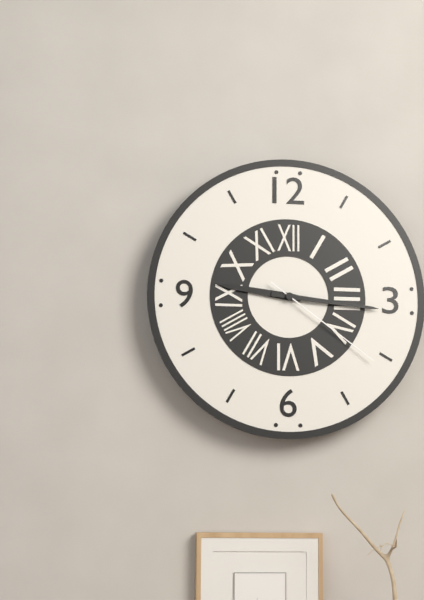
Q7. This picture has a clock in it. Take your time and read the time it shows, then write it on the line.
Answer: 9:16:21
